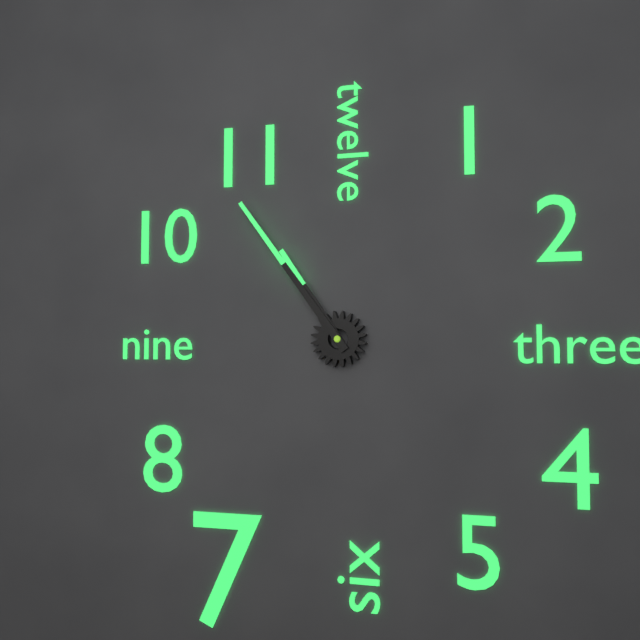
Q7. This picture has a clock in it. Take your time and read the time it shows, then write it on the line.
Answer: 10:54
